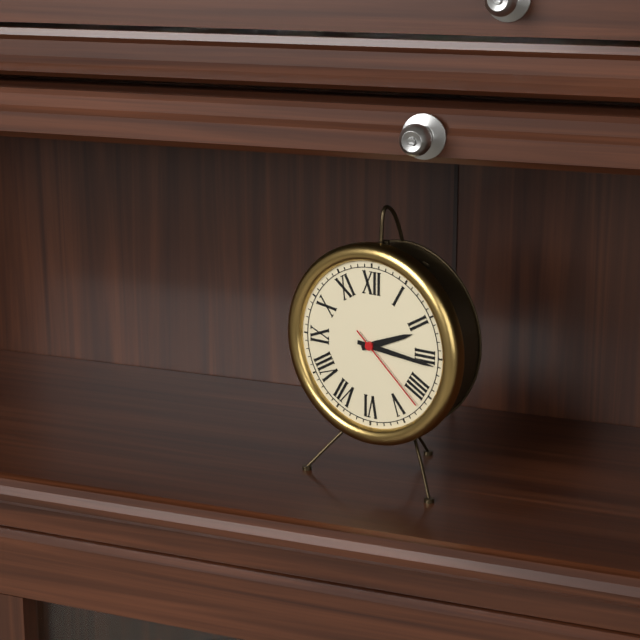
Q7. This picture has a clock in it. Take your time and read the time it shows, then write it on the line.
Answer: 2:16:22
